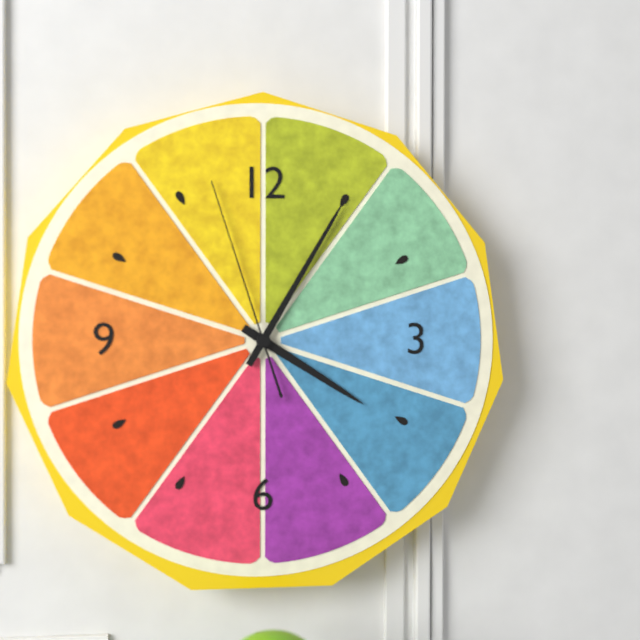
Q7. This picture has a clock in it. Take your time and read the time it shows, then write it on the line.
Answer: 4:05:57
